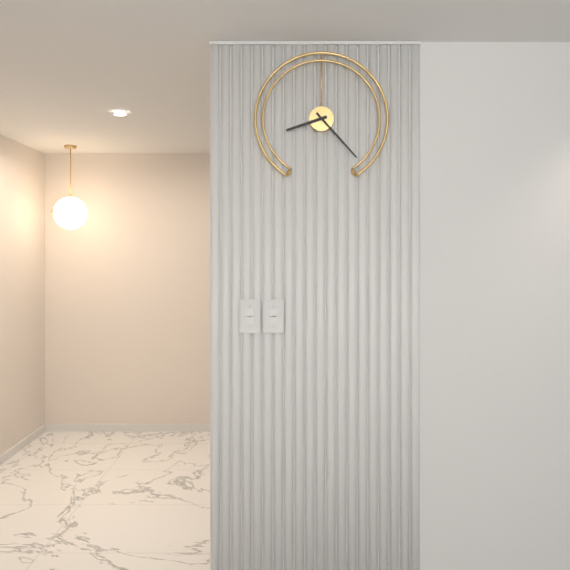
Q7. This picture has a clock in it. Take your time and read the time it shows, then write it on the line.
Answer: 8:23
